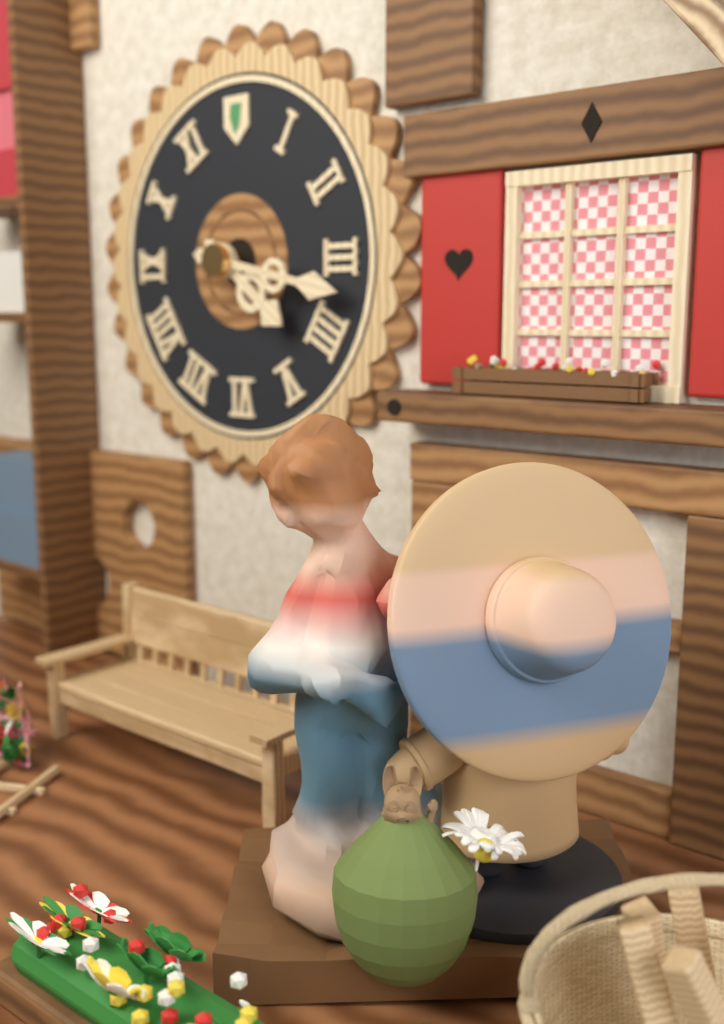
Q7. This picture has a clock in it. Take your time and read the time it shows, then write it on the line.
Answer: 4:17
